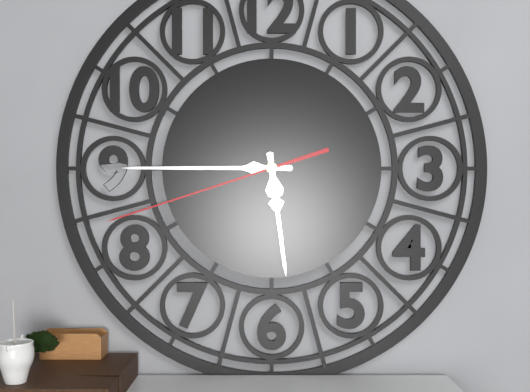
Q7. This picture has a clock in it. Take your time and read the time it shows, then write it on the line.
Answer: 5:45:42
